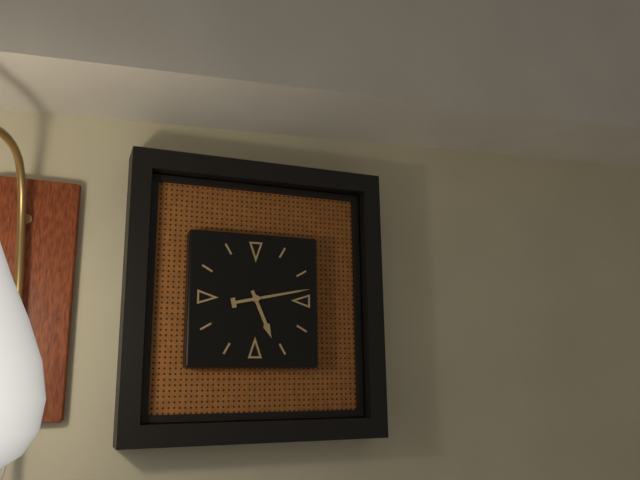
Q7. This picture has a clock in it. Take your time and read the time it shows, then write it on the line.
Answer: 5:13
